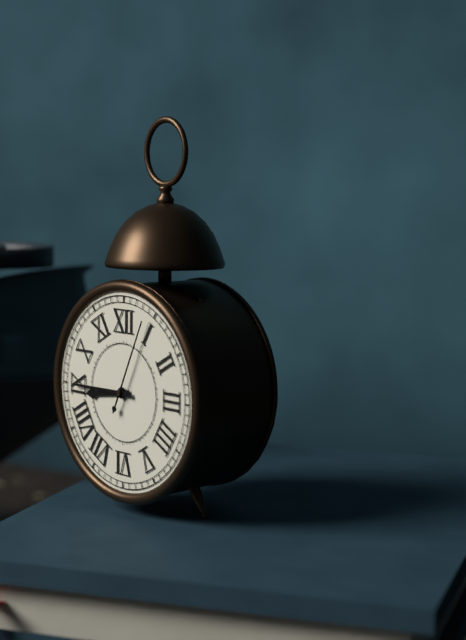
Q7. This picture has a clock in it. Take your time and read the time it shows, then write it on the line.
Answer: 8:45:04
